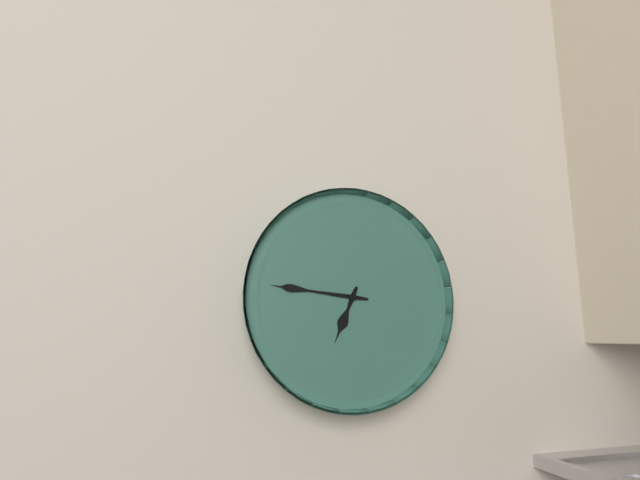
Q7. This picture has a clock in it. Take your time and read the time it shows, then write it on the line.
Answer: 6:46
